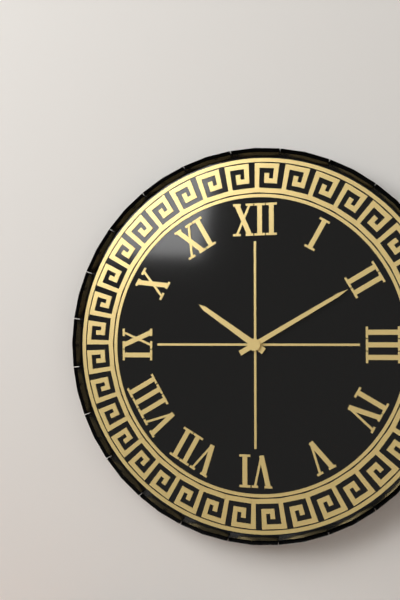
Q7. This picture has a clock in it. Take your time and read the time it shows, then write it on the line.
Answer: 10:10
